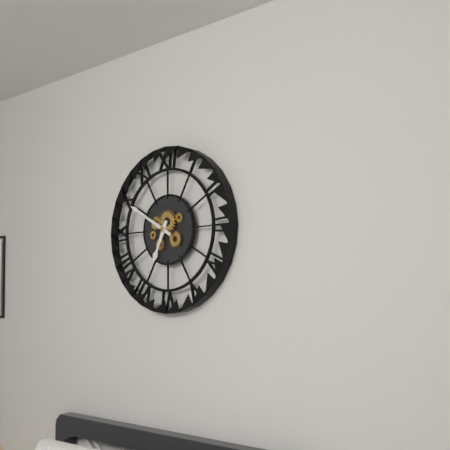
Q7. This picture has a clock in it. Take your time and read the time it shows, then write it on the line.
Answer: 6:50
